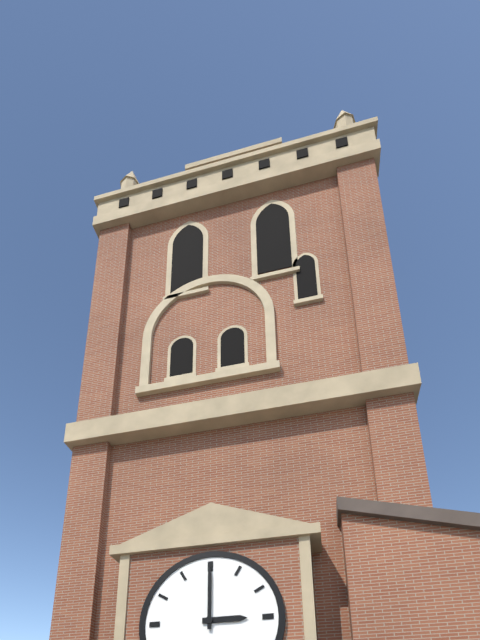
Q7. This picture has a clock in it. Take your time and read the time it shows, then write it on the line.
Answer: 3:00
